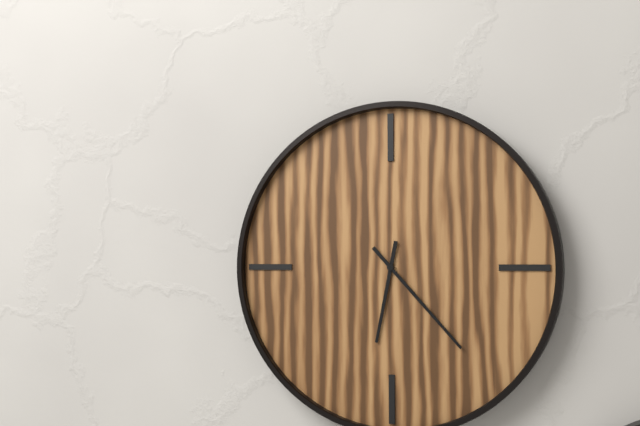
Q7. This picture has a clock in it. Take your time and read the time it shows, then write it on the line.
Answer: 6:23
